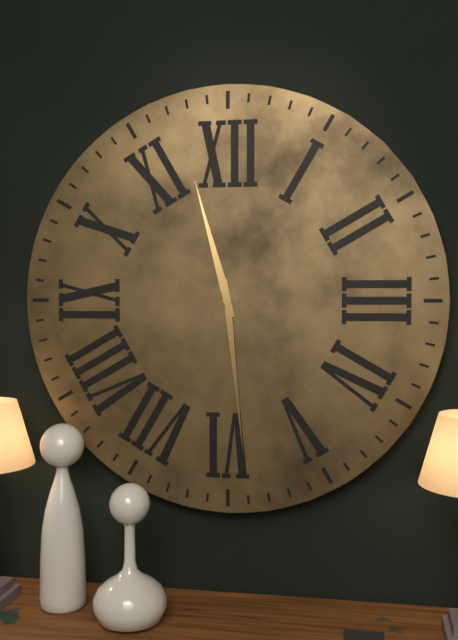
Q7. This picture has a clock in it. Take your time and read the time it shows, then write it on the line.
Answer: 11:29
